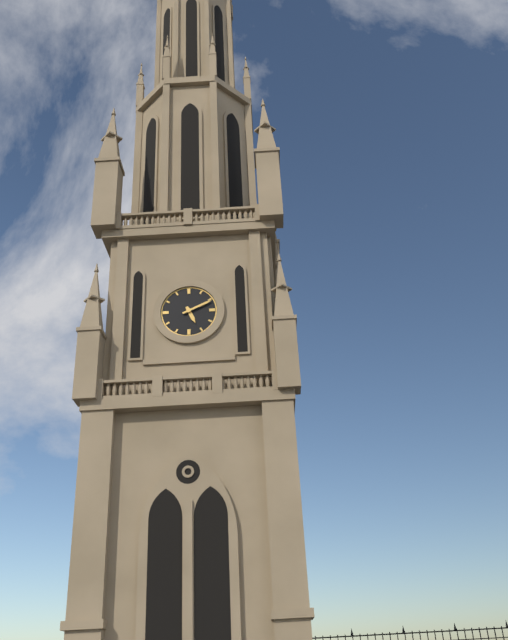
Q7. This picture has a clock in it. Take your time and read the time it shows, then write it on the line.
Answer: 5:11
